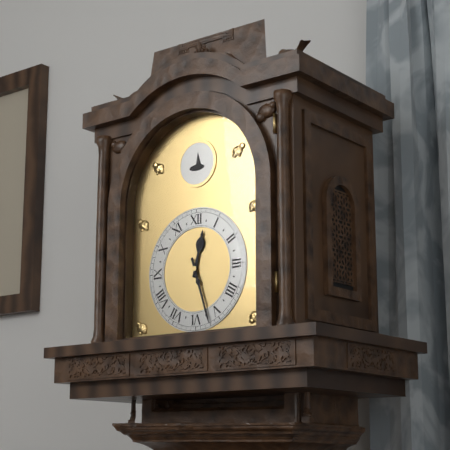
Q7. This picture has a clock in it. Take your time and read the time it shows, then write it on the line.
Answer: 12:27
